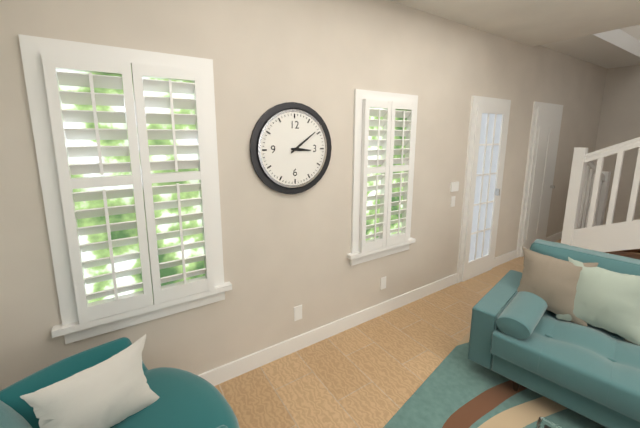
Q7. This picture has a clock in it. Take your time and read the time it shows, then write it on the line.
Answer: 3:09
